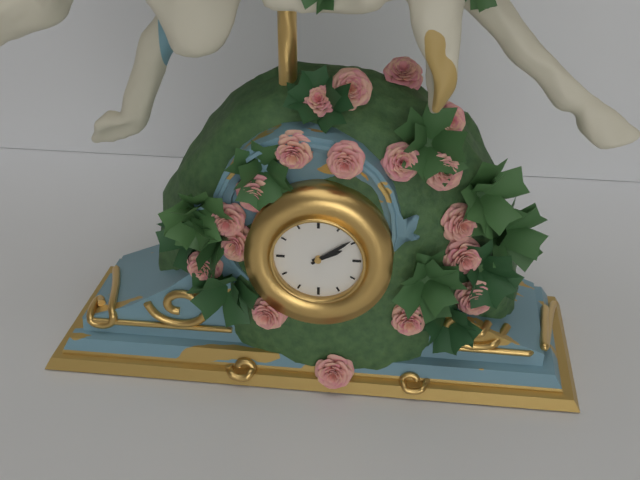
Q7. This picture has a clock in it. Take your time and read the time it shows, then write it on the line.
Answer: 2:09
